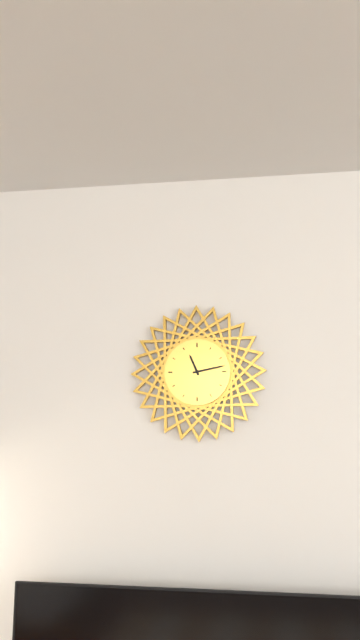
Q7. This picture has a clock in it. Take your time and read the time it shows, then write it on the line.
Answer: 11:13
